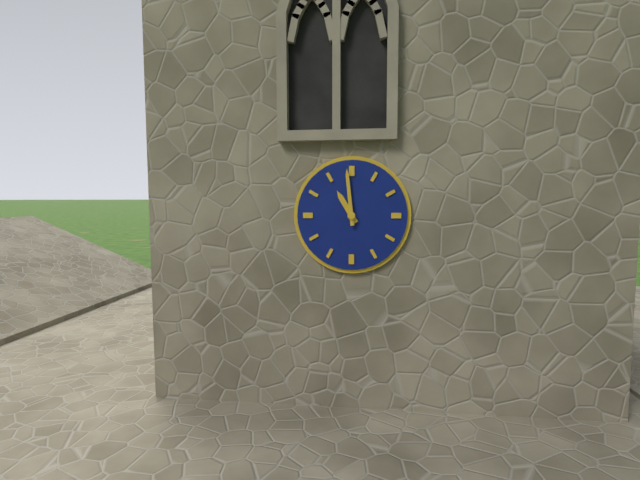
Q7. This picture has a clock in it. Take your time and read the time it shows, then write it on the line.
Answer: 10:59
